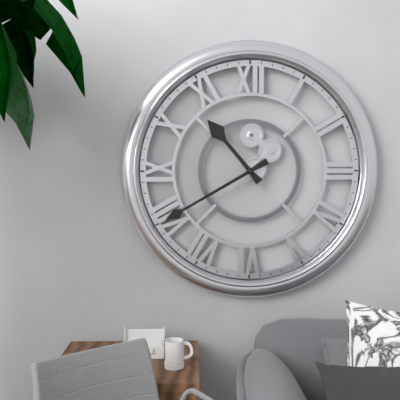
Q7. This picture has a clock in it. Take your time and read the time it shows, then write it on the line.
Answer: 10:40
